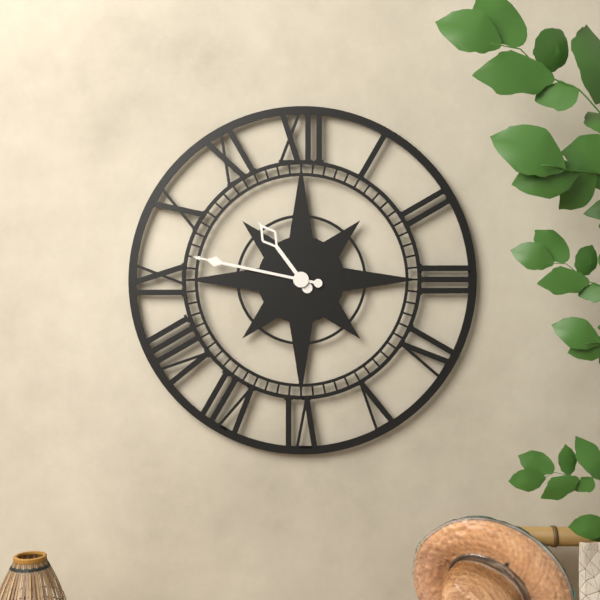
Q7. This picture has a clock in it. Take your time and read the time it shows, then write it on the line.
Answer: 10:47
